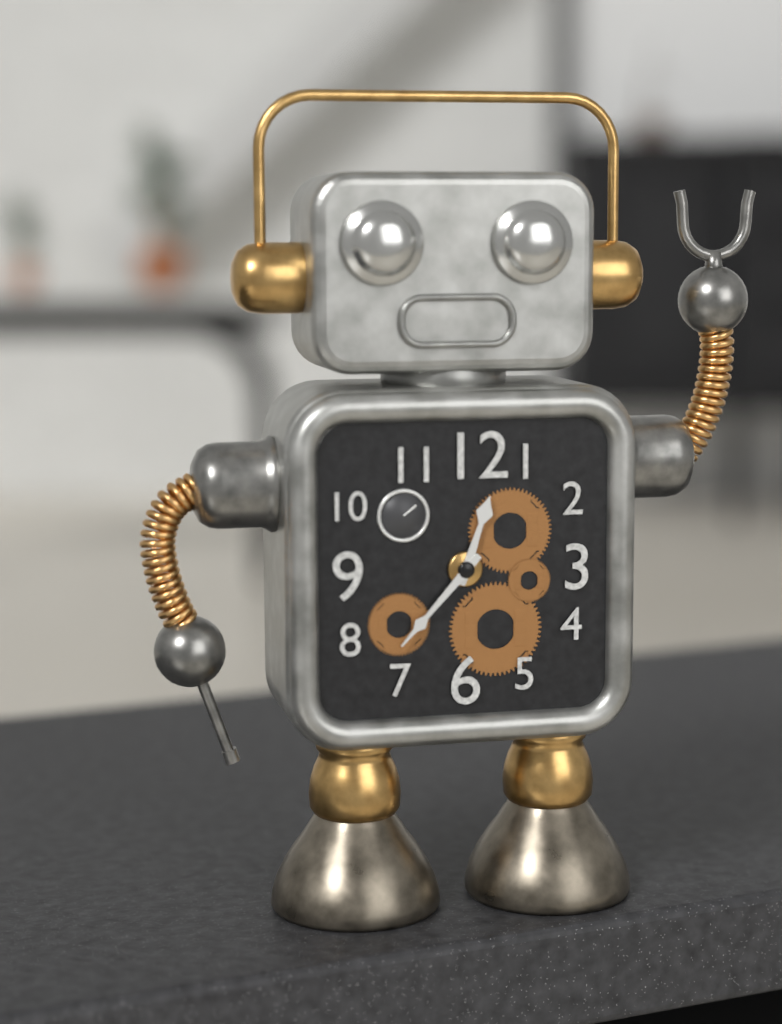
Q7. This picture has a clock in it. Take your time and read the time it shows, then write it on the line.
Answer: 12:37
